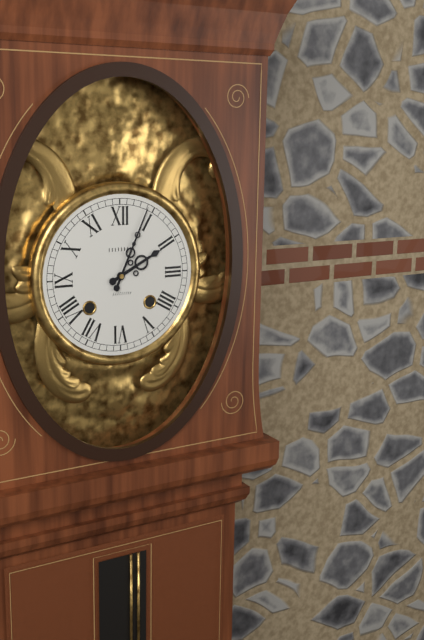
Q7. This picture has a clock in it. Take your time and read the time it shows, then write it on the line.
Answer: 2:04
